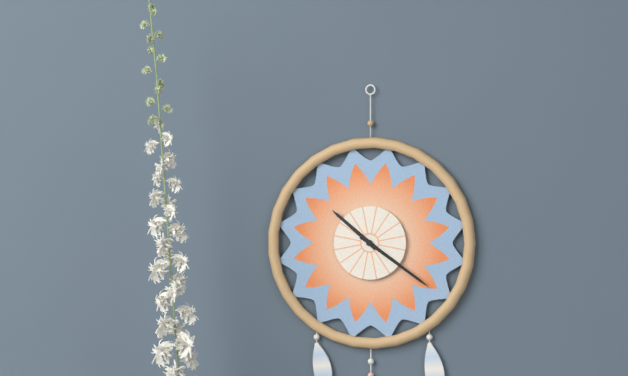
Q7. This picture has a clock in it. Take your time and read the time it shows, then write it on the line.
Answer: 10:21
